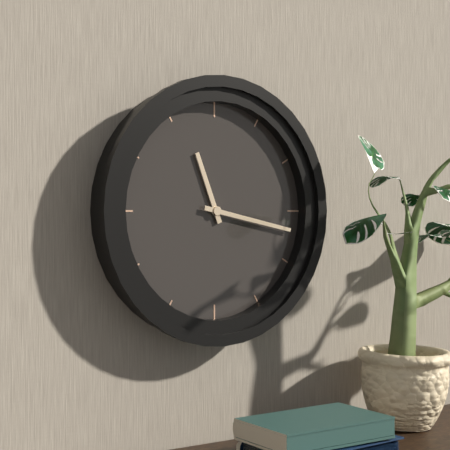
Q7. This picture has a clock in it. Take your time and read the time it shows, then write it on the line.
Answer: 11:17
